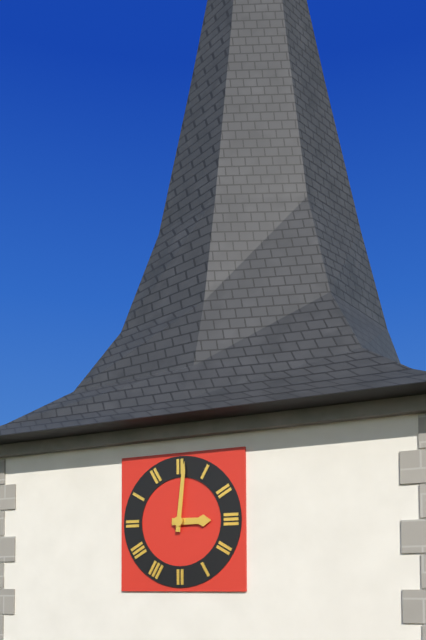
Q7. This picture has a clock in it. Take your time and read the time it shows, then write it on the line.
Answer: 3:01
